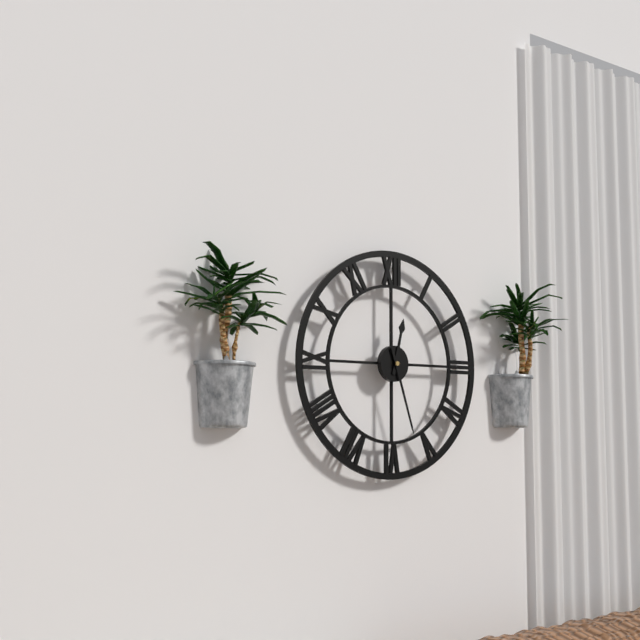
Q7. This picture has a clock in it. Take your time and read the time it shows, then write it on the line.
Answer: 12:27
